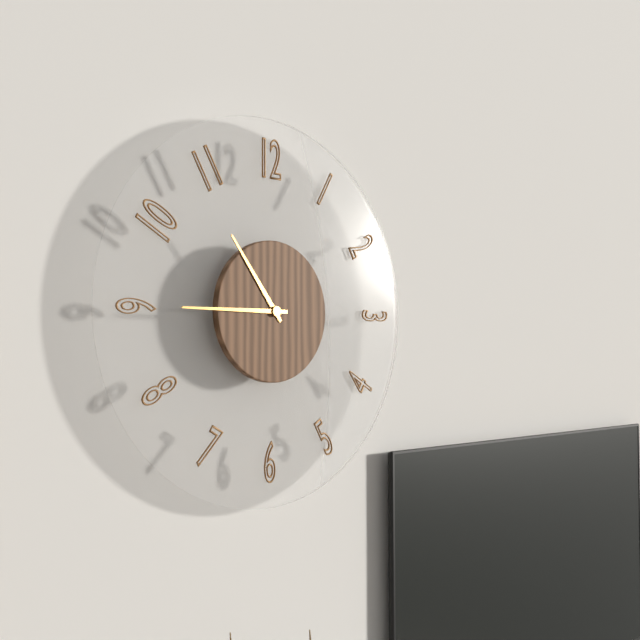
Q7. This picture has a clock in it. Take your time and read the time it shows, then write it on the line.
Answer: 10:45
